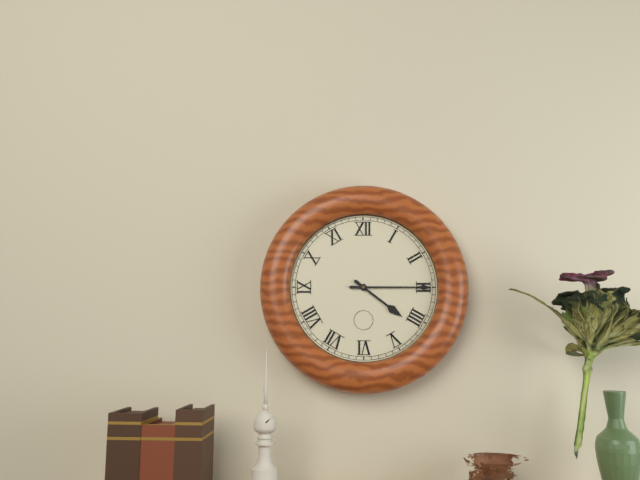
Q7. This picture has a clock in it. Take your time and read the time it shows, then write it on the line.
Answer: 4:15
